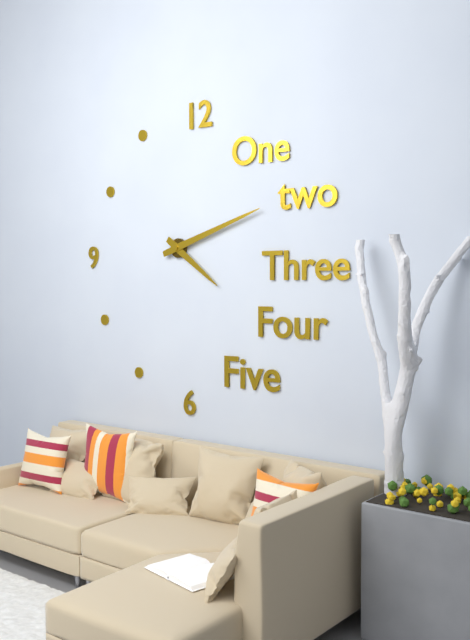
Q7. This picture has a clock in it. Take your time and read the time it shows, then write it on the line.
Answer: 4:12
